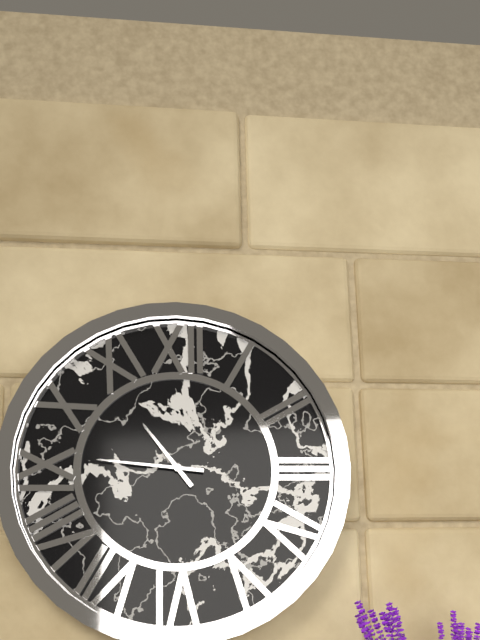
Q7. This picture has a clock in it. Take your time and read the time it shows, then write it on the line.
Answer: 10:46
